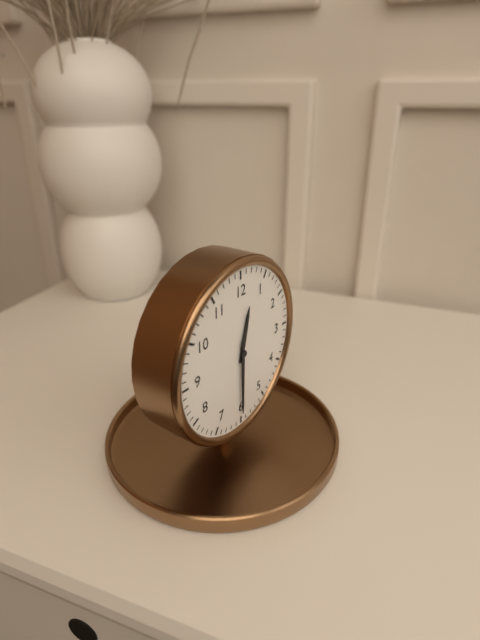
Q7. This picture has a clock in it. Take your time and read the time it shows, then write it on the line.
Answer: 12:30
